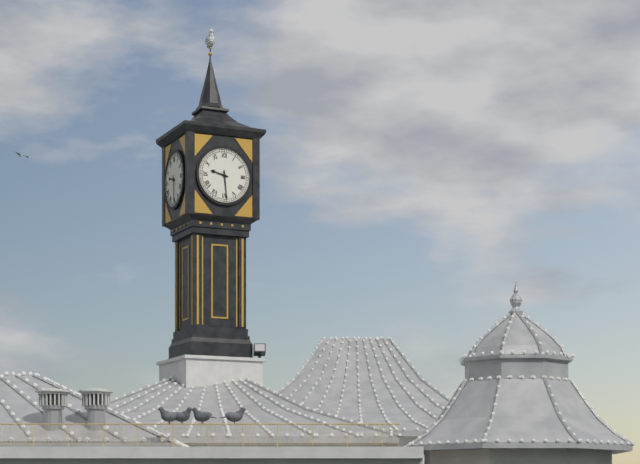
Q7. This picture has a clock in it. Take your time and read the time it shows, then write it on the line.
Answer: 9:29
